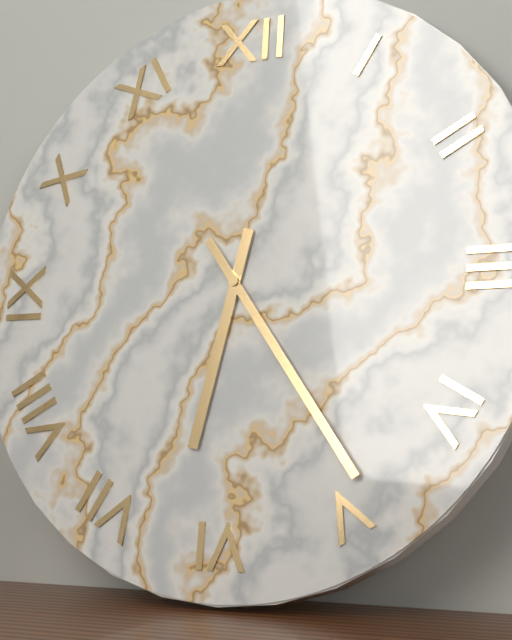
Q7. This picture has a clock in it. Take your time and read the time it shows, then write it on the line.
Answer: 6:24
